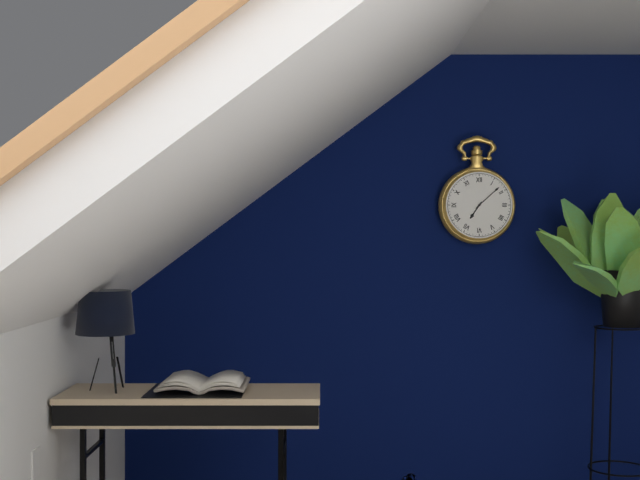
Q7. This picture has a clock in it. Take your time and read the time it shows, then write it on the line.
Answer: 7:08
